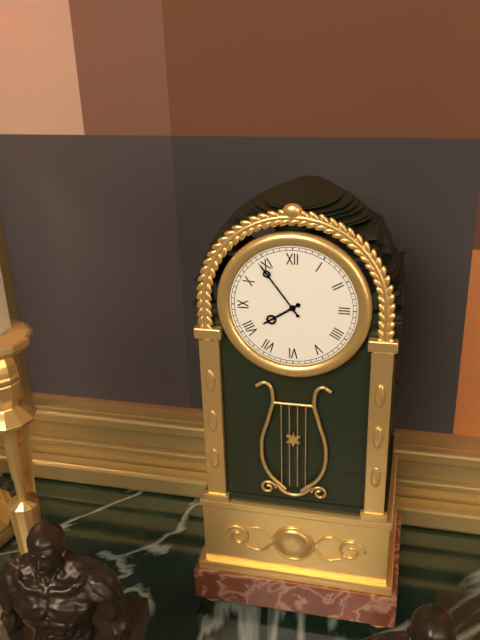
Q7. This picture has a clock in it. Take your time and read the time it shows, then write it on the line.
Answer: 7:54
